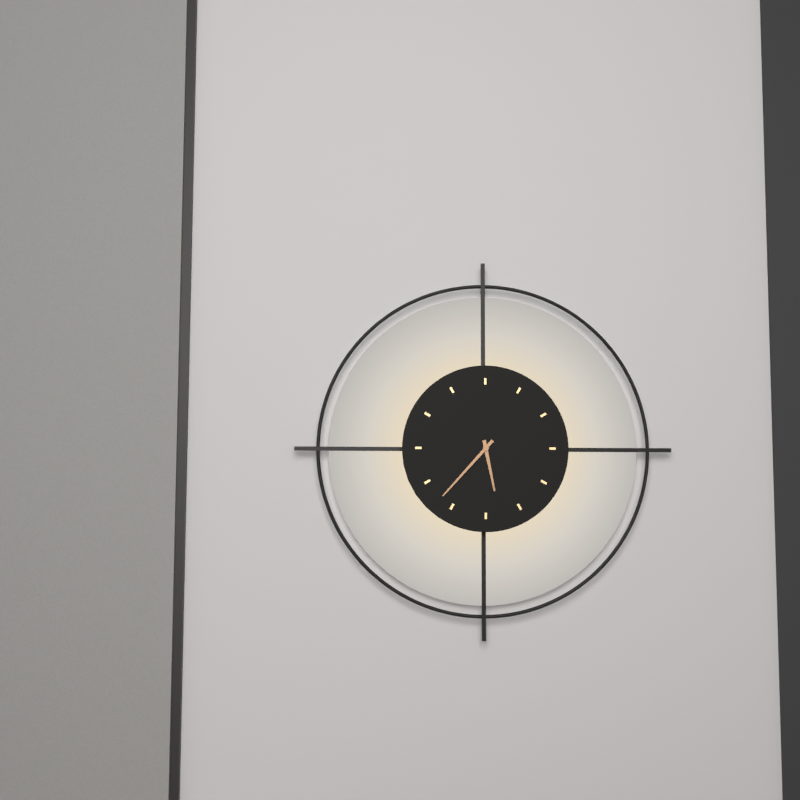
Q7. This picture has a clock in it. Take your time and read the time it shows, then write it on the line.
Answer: 5:37
